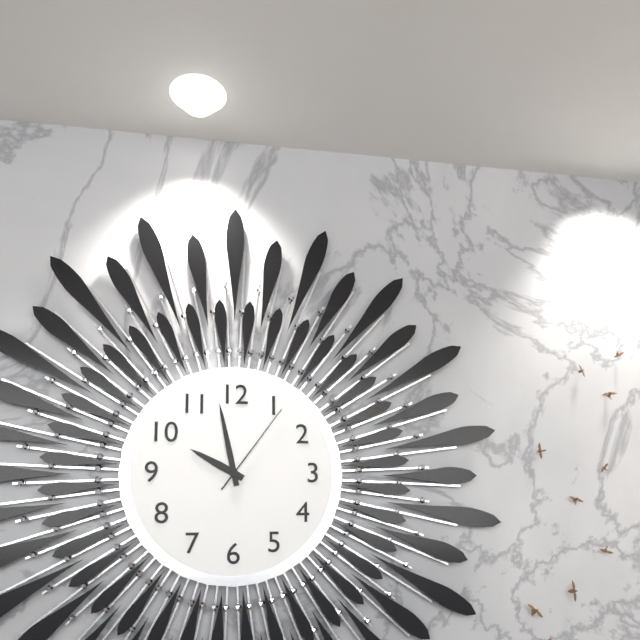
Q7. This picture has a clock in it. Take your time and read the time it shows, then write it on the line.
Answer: 9:58:06
